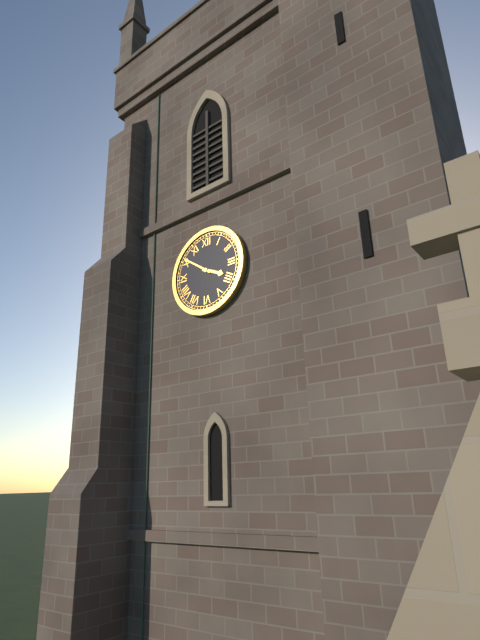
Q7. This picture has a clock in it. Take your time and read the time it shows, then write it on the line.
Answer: 3:51
